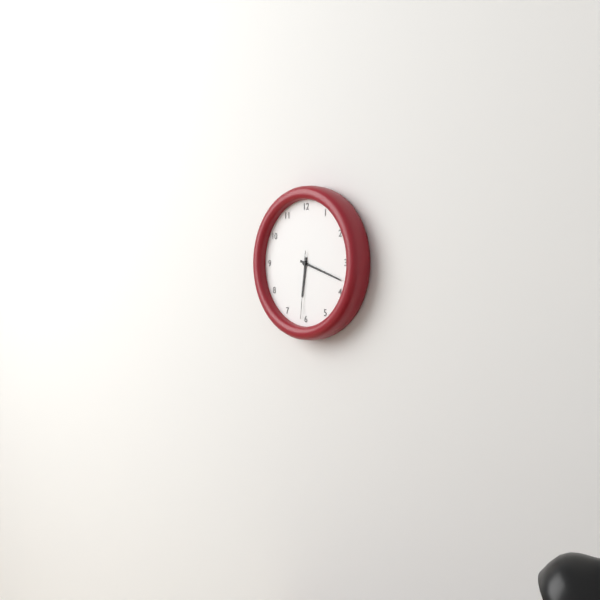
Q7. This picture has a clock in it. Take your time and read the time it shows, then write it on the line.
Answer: 6:18:31
